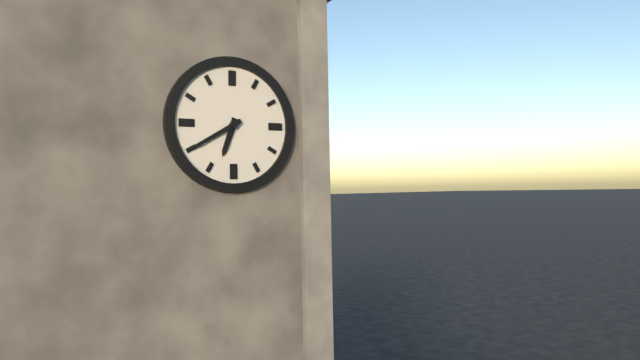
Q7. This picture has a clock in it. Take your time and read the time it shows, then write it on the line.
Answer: 6:40
